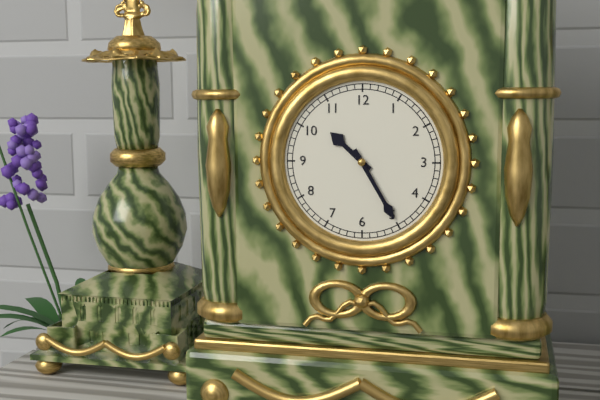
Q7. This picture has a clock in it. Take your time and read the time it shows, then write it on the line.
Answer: 10:25
